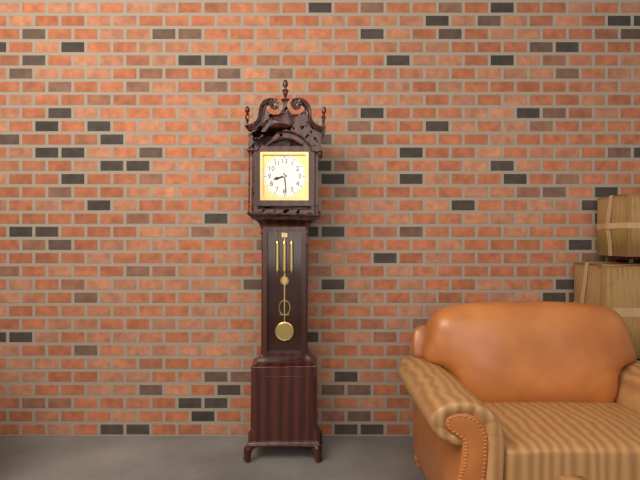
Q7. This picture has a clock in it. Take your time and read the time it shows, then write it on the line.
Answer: 8:29
